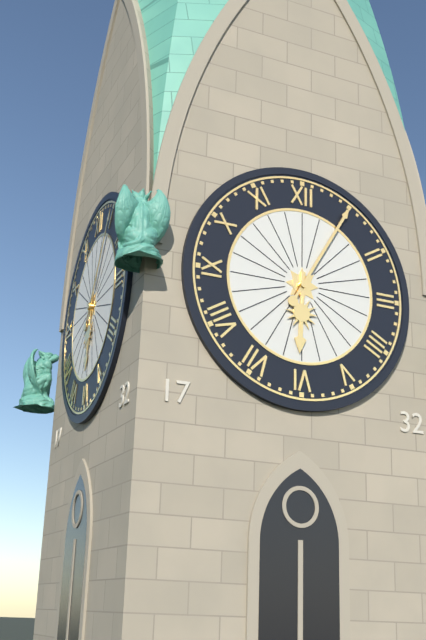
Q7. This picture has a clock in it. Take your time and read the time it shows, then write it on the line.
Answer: 6:05
